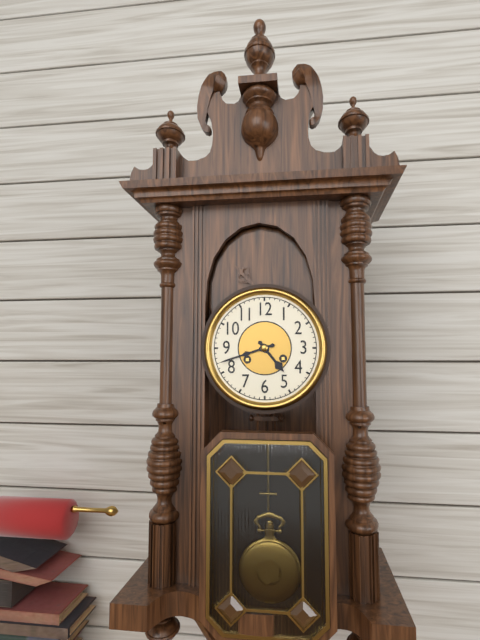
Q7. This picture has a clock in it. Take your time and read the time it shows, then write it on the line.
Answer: 4:42
